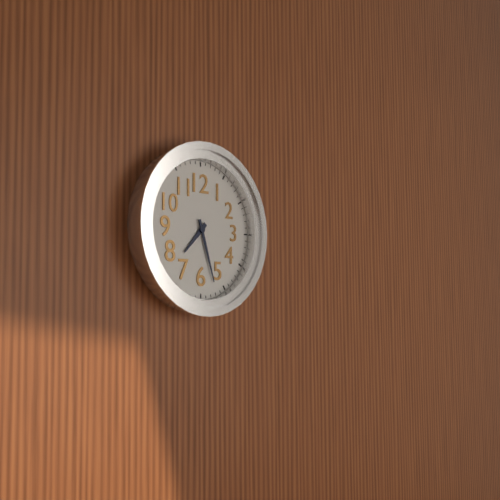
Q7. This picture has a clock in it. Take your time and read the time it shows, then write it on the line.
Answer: 7:27
